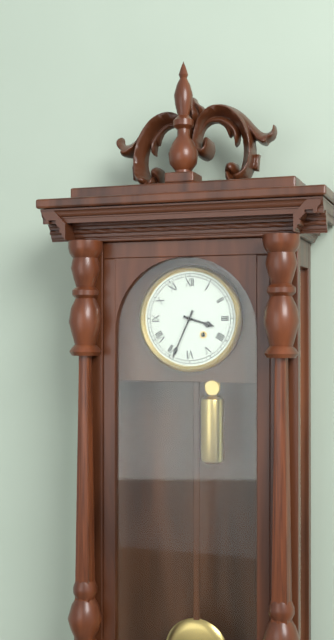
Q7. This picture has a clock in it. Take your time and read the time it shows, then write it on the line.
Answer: 3:34
